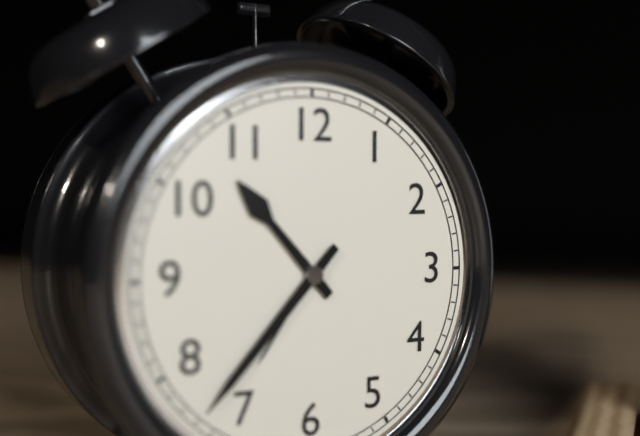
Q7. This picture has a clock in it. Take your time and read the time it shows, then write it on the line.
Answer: 10:37
